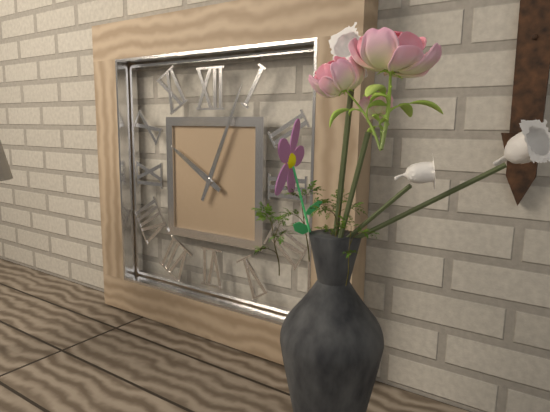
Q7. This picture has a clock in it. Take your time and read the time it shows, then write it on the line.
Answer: 10:04
